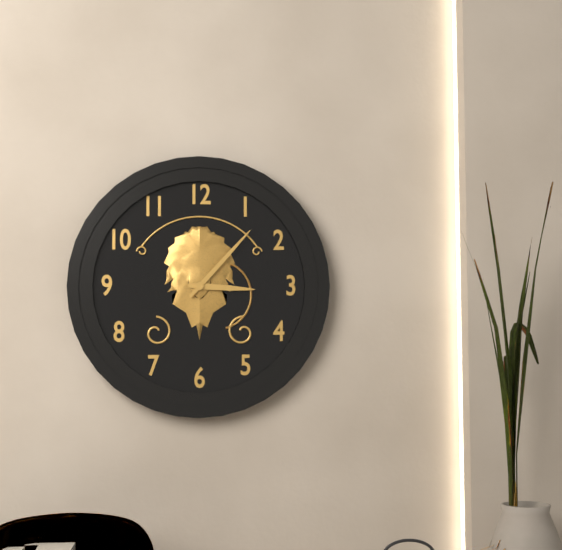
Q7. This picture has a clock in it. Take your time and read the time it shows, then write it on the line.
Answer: 3:07
